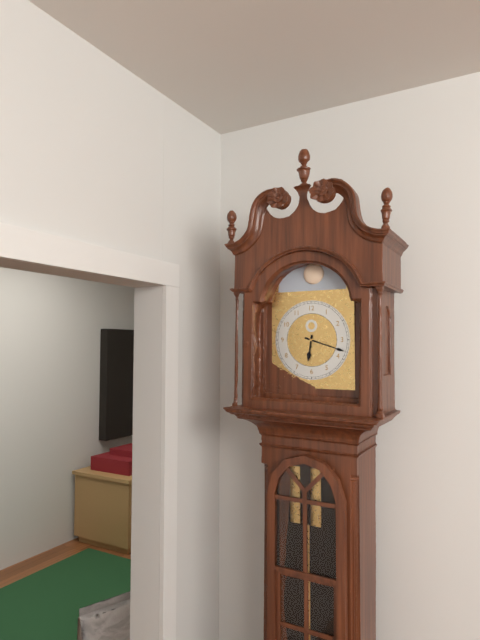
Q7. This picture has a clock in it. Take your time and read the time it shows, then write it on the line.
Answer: 6:18
